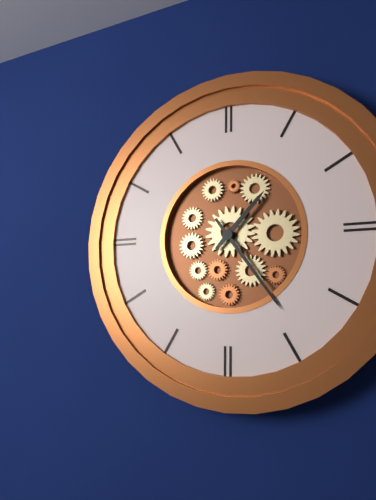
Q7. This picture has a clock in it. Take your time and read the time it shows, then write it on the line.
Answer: 1:24
